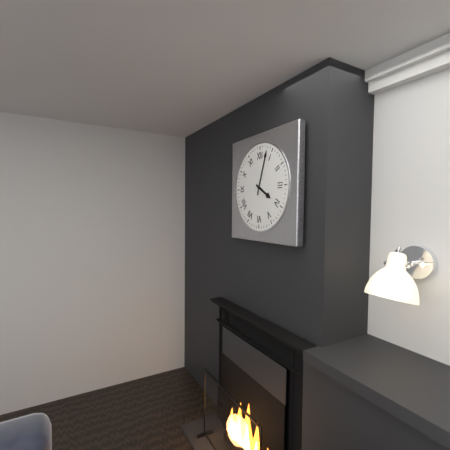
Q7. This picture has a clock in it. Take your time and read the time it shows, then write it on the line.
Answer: 4:03
